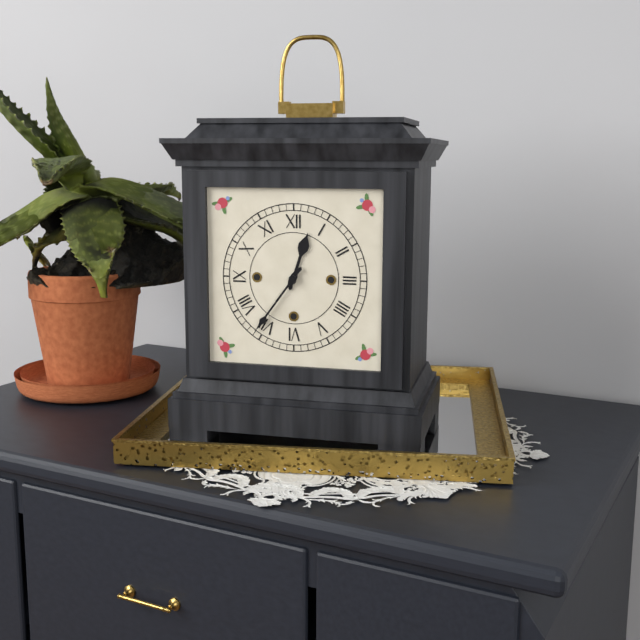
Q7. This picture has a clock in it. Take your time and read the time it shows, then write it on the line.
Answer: 12:36
